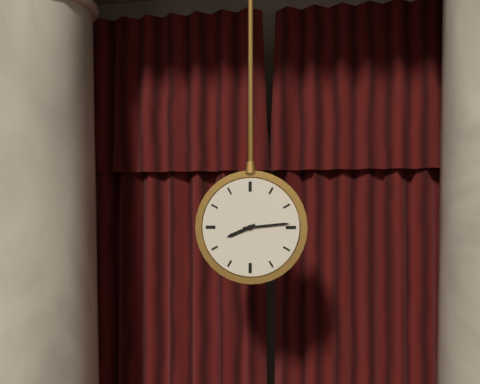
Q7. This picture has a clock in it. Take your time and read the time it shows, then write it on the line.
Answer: 8:14
